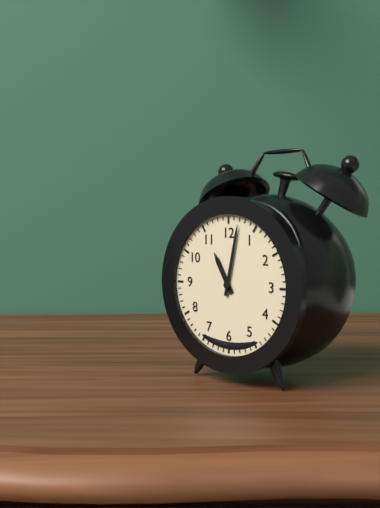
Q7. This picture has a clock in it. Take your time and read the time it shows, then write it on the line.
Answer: 11:02
